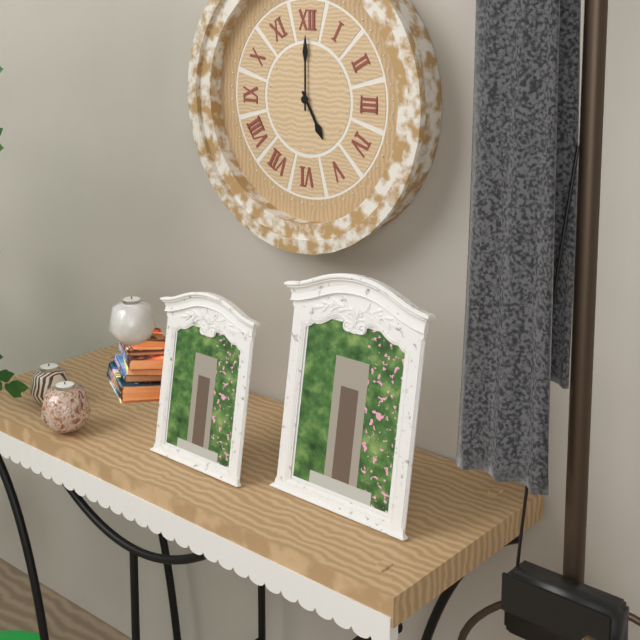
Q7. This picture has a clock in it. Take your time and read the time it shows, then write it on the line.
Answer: 5:00
